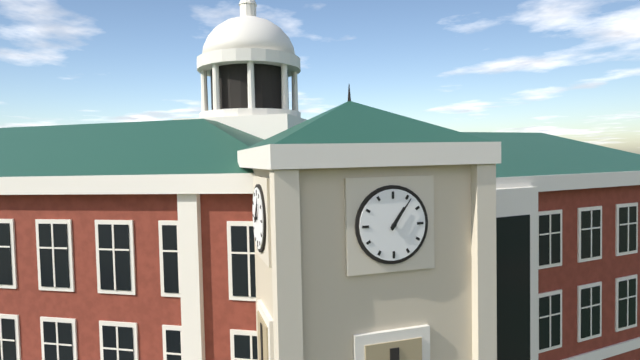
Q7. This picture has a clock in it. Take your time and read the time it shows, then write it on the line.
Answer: 1:06
